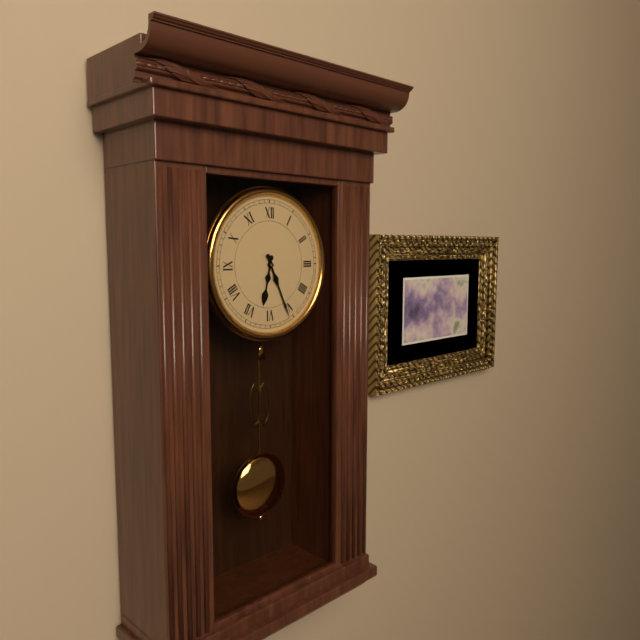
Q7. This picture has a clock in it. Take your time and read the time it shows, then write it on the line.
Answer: 6:26
